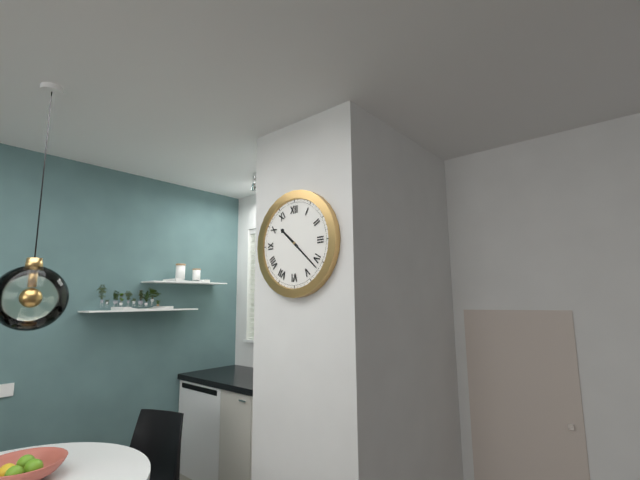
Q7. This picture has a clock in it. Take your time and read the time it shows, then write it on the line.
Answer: 10:22
